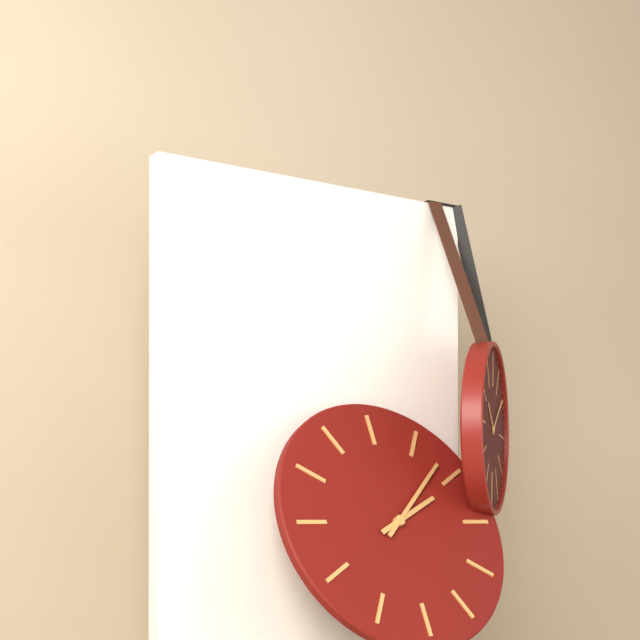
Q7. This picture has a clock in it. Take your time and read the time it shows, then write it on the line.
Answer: 2:08
